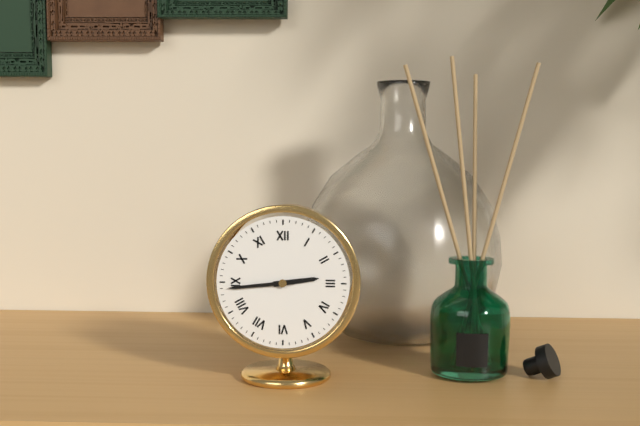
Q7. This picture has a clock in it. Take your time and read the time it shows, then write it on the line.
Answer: 2:44
